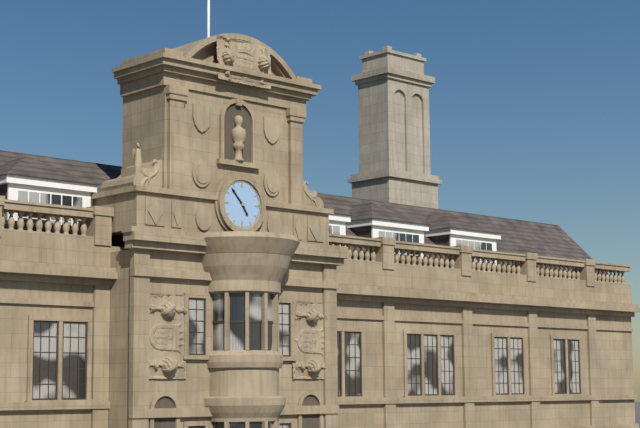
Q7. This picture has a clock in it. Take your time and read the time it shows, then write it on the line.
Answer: 4:53
